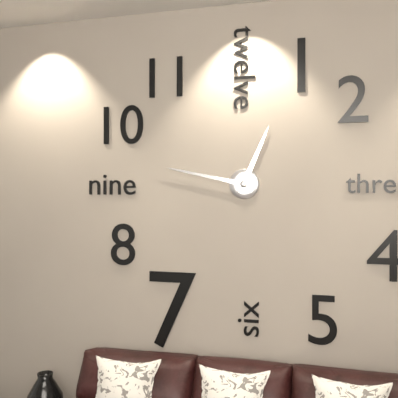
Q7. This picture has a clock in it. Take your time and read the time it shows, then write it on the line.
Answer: 12:47
